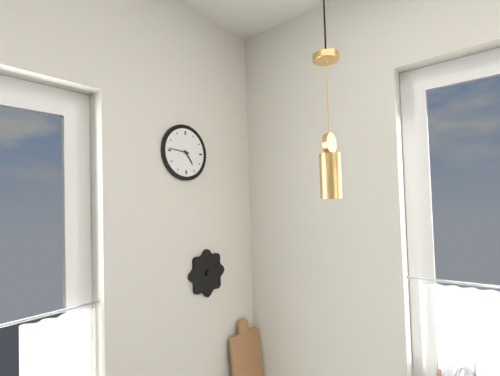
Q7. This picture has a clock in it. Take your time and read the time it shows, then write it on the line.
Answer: 4:46
